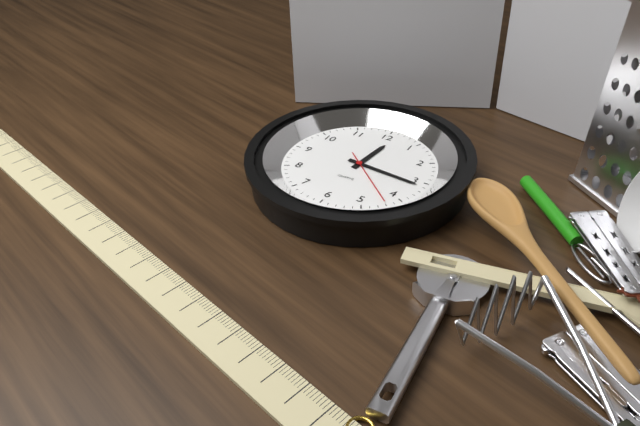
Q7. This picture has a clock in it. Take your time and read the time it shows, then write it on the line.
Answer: 12:16:22
